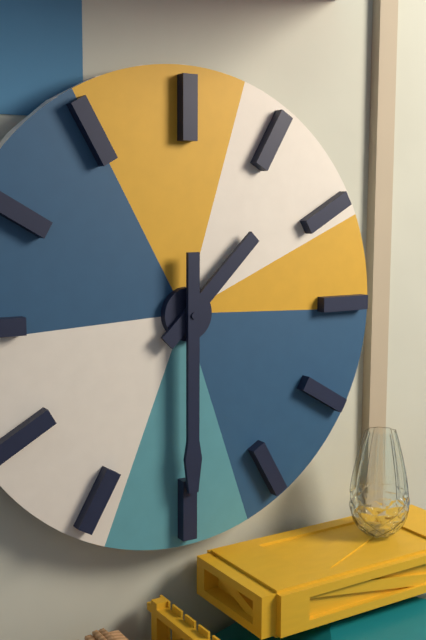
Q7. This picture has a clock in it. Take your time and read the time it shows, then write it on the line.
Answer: 1:30
